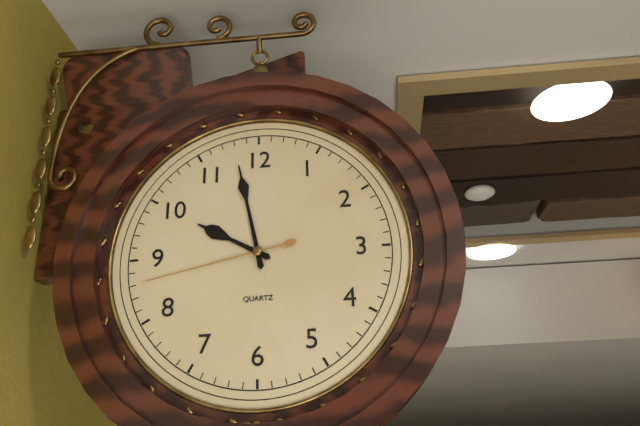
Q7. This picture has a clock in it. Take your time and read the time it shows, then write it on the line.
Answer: 9:58:43
